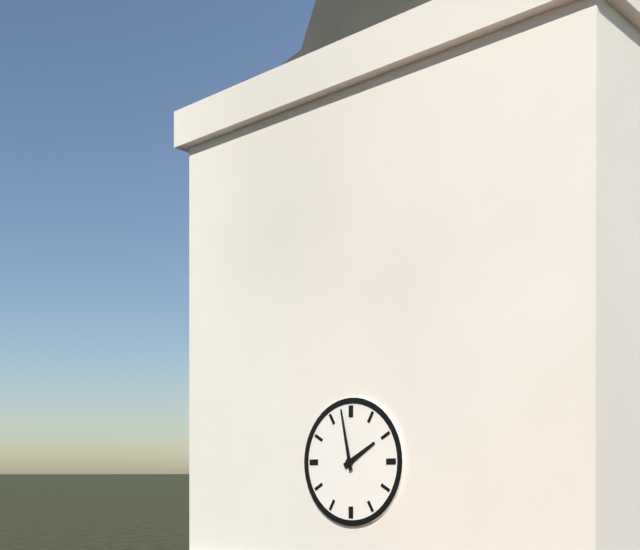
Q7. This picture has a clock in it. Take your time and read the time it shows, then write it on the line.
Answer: 1:58
